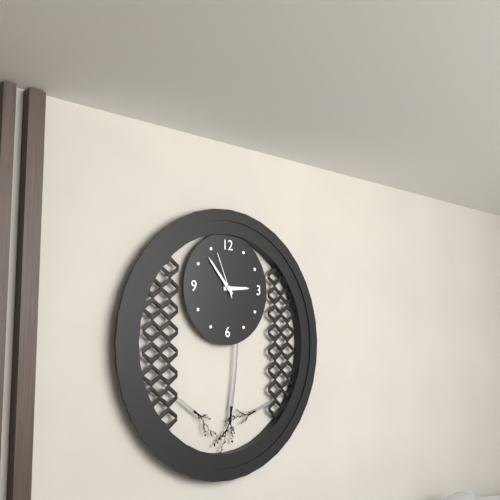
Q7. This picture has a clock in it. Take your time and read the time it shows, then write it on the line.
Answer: 2:53
